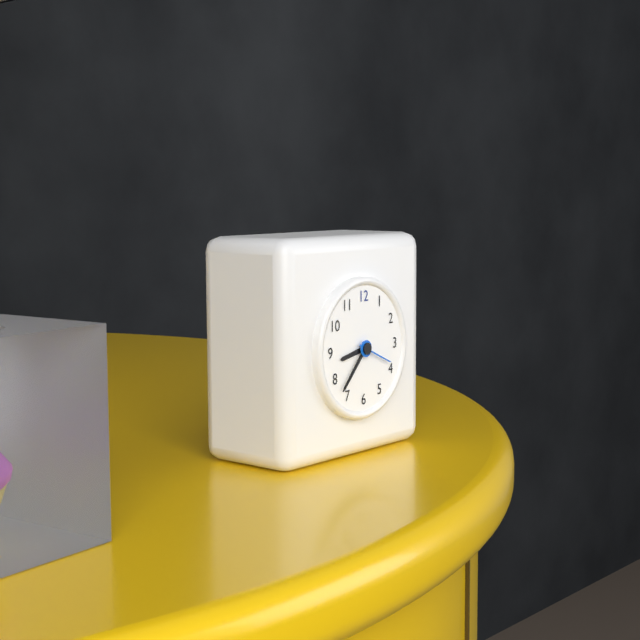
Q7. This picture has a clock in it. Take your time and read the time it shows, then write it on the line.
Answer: 8:37
